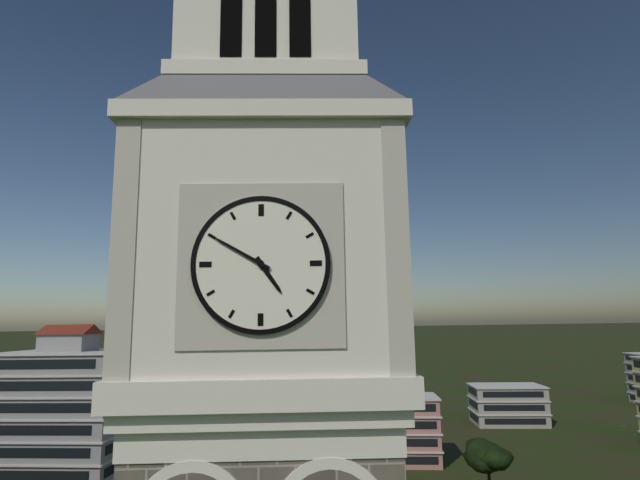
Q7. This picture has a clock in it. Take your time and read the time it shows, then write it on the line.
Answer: 4:50
